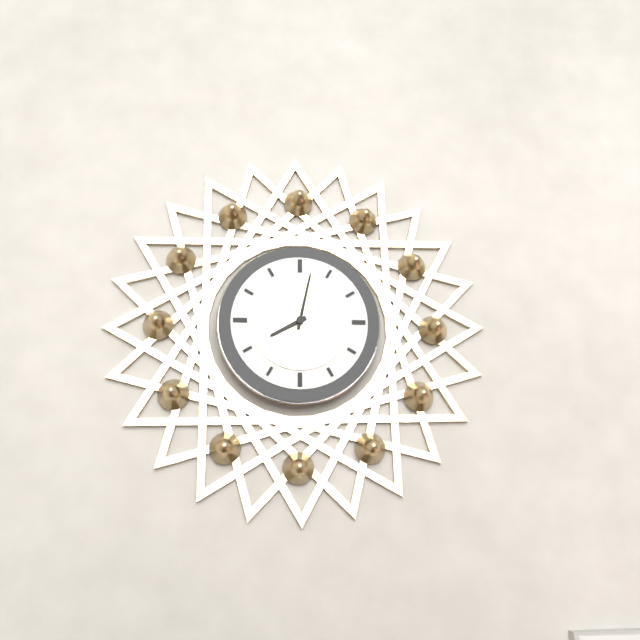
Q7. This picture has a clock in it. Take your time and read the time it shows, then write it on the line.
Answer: 8:02
